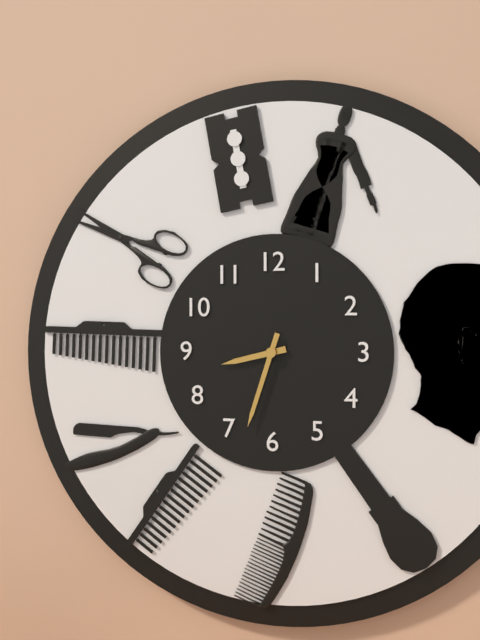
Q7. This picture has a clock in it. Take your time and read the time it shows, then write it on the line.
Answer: 8:33
